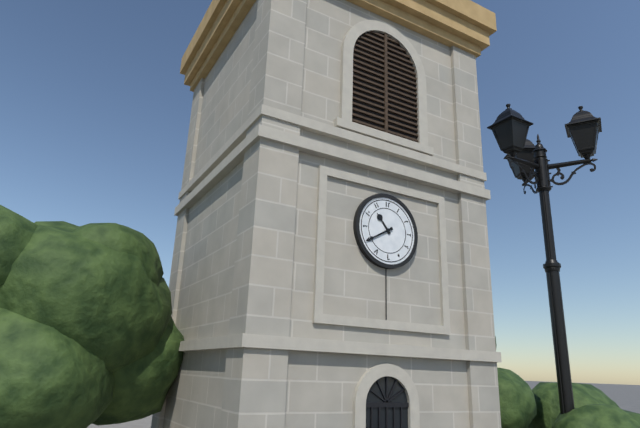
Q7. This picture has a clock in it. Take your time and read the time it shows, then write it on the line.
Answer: 10:40
